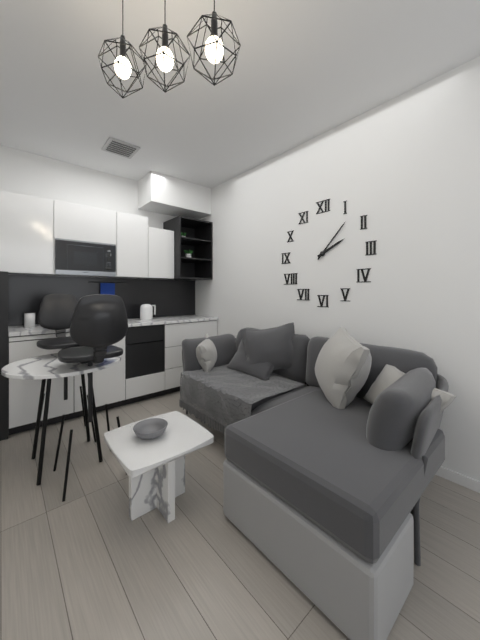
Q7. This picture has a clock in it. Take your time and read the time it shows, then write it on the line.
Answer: 2:07
